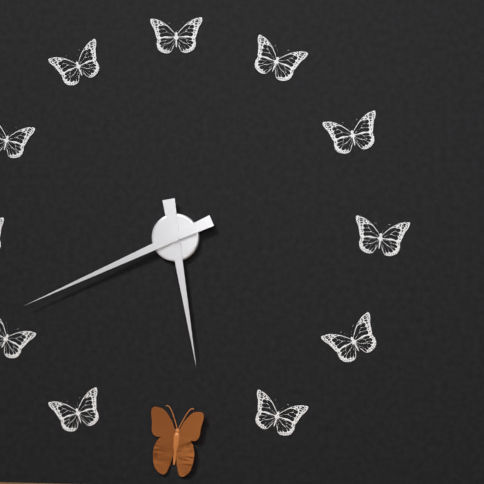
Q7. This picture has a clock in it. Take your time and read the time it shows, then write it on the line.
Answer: 5:41
